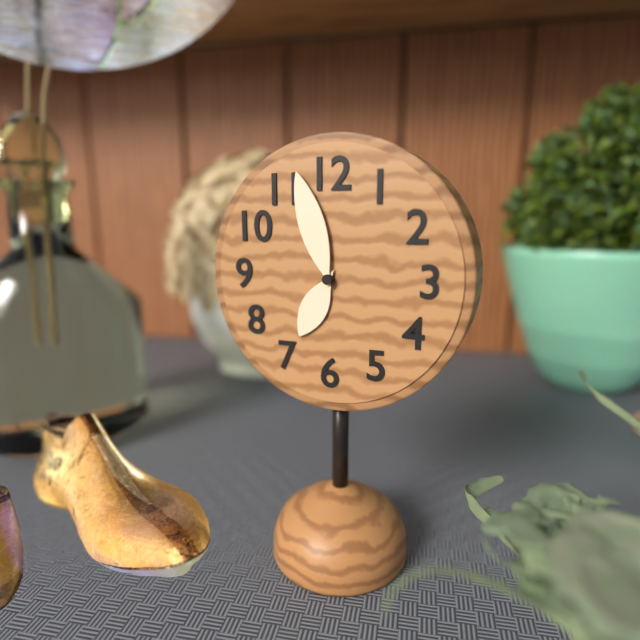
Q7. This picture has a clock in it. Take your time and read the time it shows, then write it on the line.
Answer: 6:57
